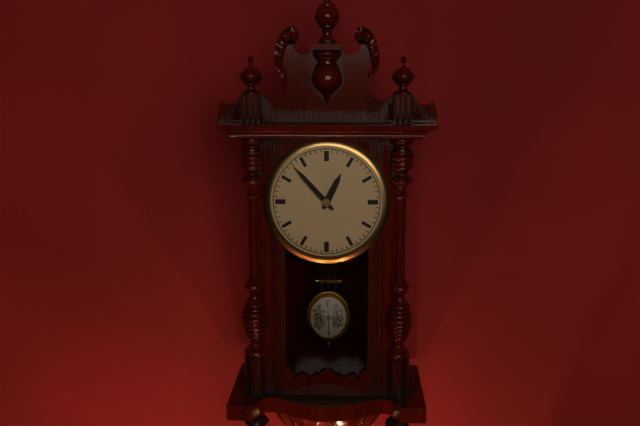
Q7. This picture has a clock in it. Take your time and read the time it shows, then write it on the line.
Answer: 12:53
